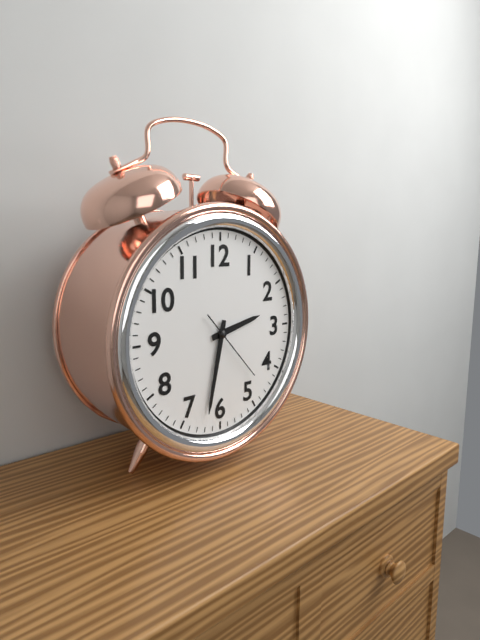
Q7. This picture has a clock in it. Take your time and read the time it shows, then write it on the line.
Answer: 2:32:23
